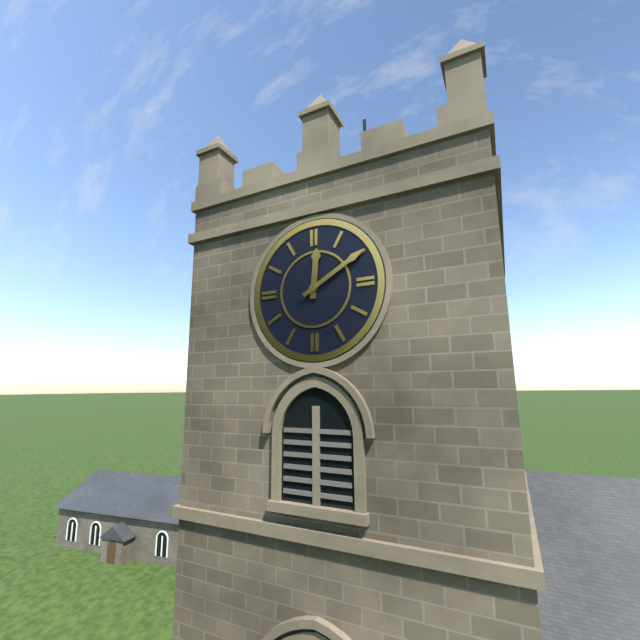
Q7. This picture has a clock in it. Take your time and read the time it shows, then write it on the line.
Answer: 12:10
